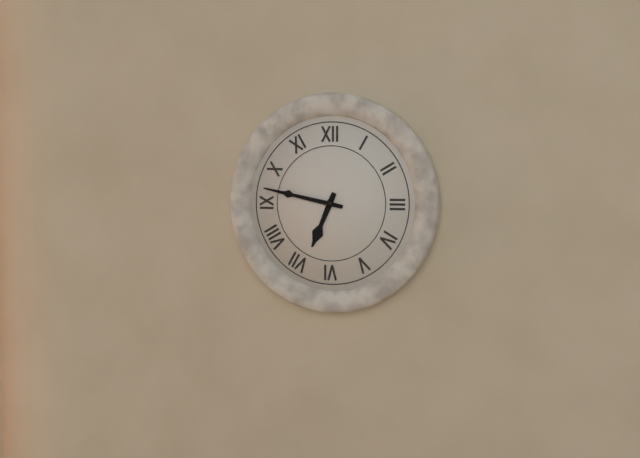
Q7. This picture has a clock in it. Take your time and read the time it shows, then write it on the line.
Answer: 6:47
